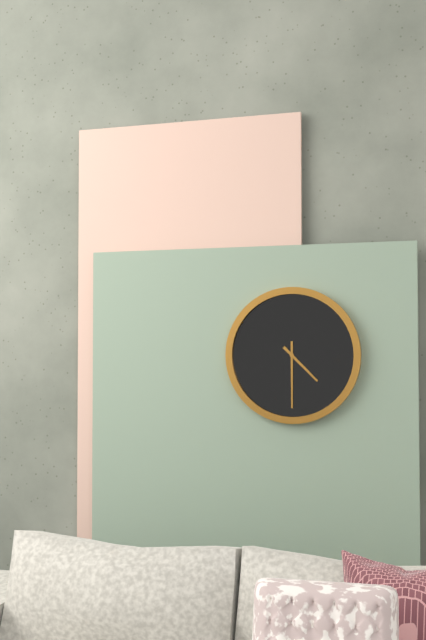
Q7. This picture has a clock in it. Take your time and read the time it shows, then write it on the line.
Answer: 4:30
